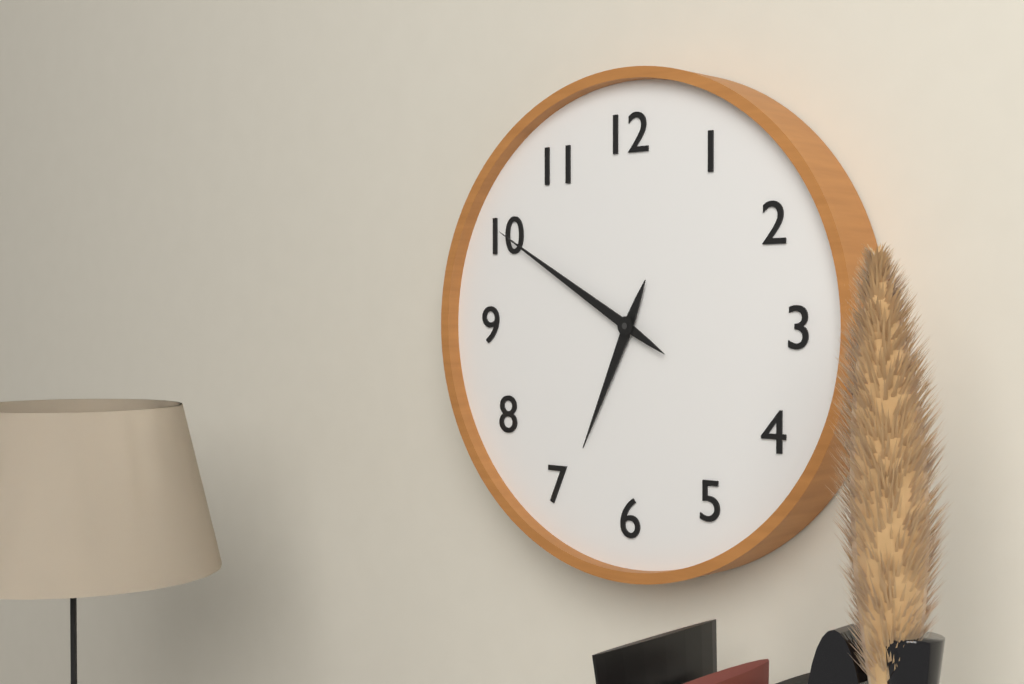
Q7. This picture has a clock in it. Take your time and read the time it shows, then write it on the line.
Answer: 6:50
